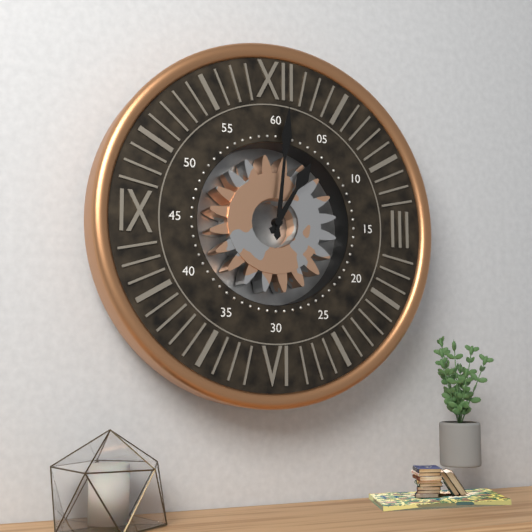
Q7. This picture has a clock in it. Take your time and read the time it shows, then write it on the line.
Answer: 1:01
